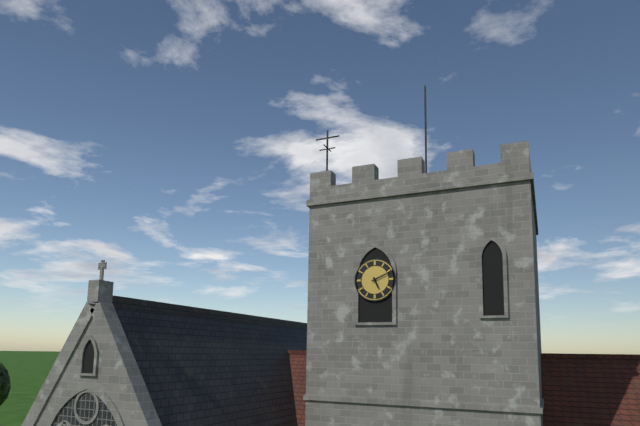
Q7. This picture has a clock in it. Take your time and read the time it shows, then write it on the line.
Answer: 5:11
